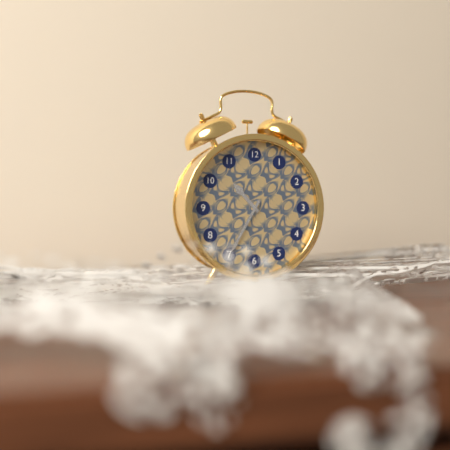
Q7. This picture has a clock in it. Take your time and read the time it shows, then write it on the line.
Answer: 10:35
